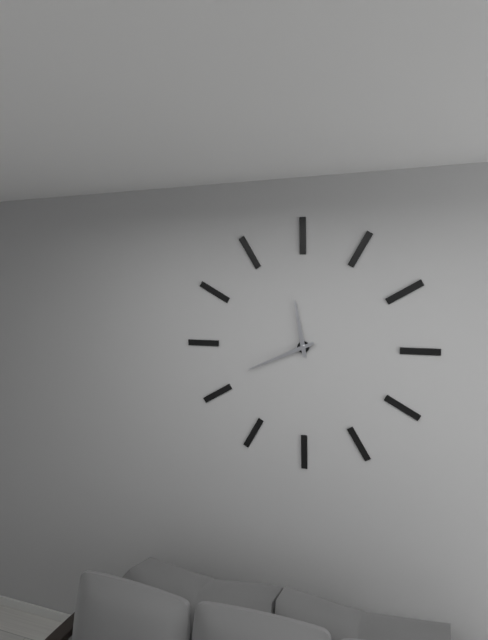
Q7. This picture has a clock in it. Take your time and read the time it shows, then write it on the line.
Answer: 11:41
